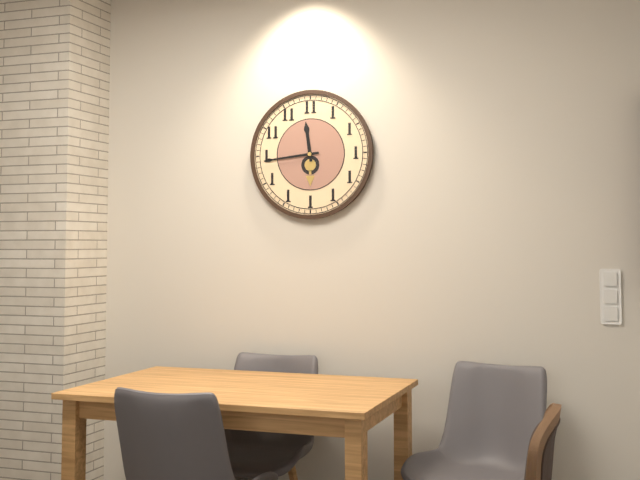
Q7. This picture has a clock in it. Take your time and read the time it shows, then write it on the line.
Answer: 11:44
